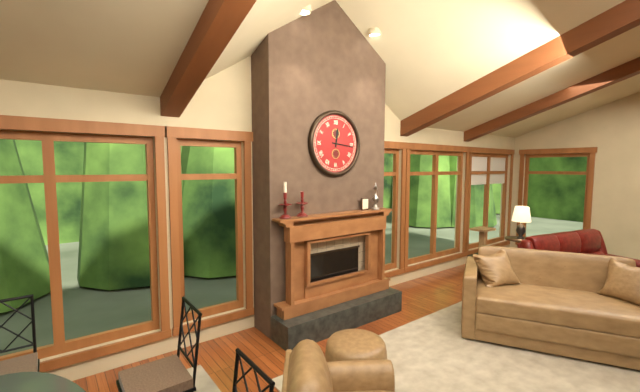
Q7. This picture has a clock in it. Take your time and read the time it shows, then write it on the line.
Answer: 12:16
